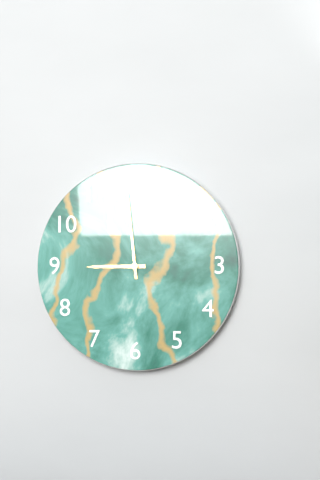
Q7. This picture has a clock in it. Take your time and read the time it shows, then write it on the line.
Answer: 8:59
